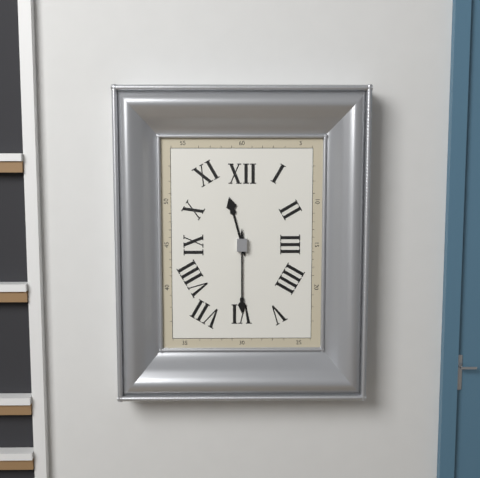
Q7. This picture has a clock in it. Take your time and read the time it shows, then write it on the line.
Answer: 11:30
